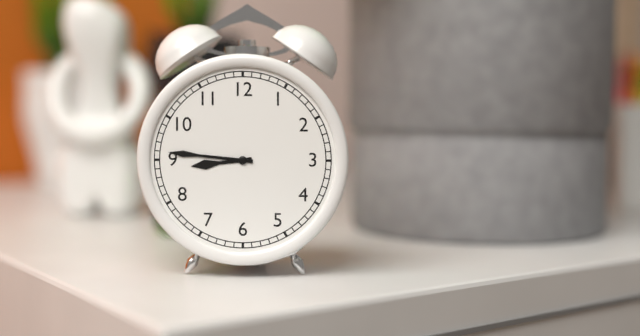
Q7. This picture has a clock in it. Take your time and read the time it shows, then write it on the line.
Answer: 8:46
